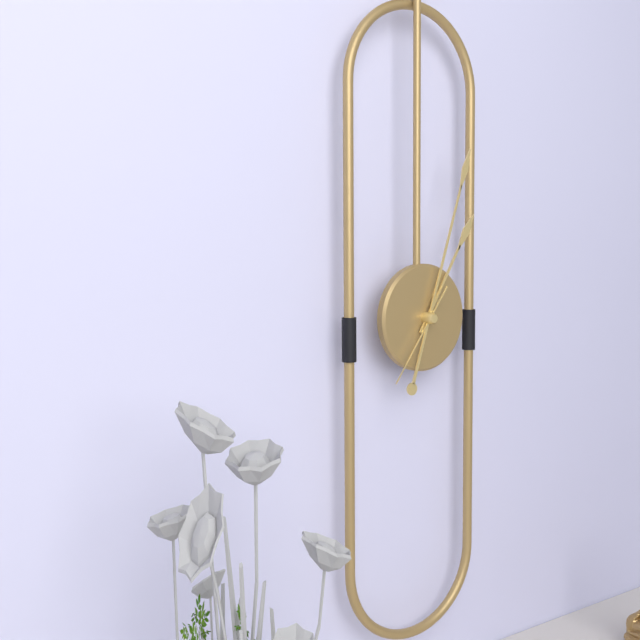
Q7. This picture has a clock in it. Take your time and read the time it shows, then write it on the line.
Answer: 1:03:36
